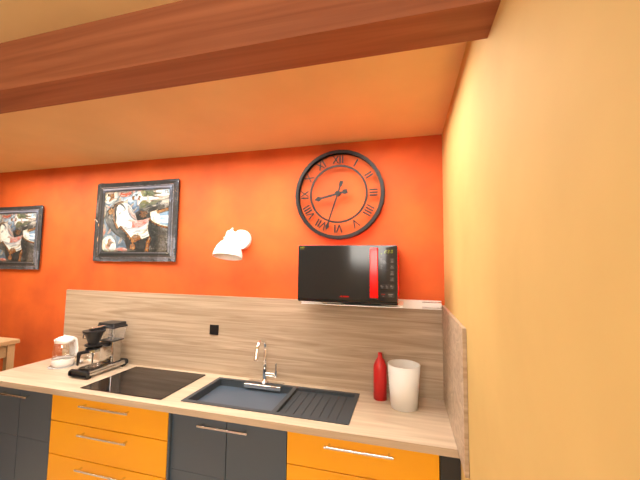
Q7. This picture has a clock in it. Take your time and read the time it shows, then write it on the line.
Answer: 8:33
